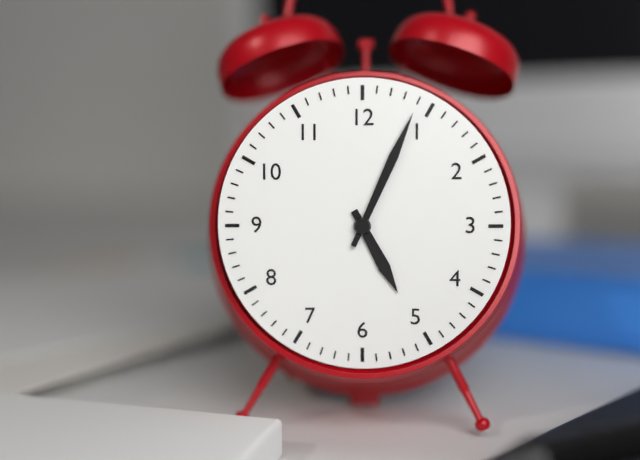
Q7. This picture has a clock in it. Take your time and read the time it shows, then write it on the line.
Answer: 5:04
